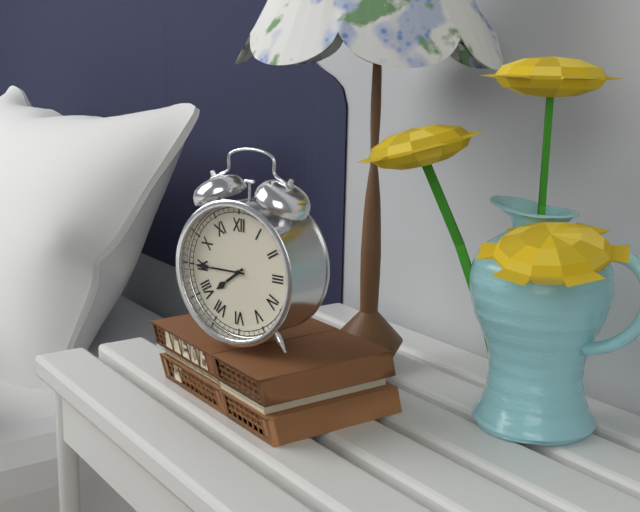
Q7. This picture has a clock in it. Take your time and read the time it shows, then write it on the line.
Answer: 7:45
